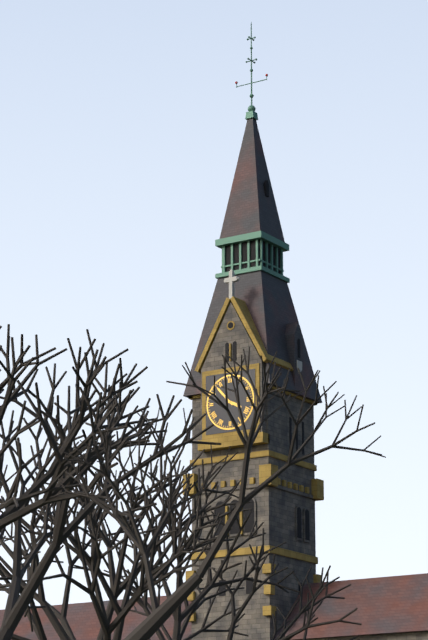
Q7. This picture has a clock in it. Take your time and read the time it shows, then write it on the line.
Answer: 3:53
